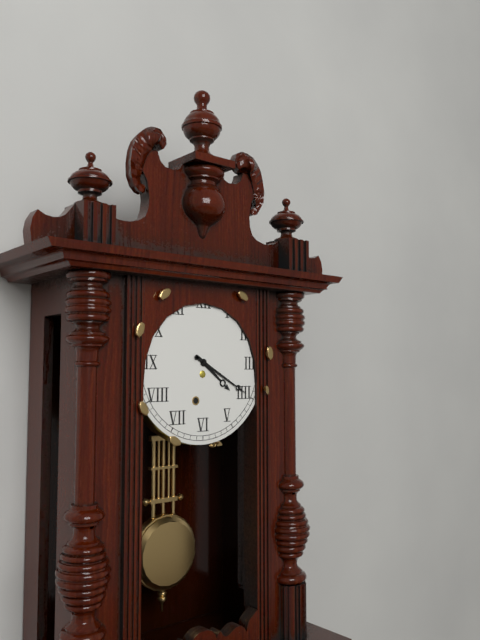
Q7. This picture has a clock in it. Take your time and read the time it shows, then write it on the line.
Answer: 4:20
